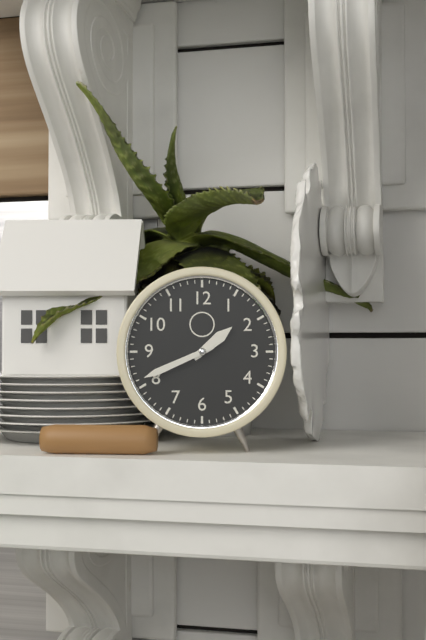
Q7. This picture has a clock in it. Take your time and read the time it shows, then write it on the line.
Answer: 1:41
